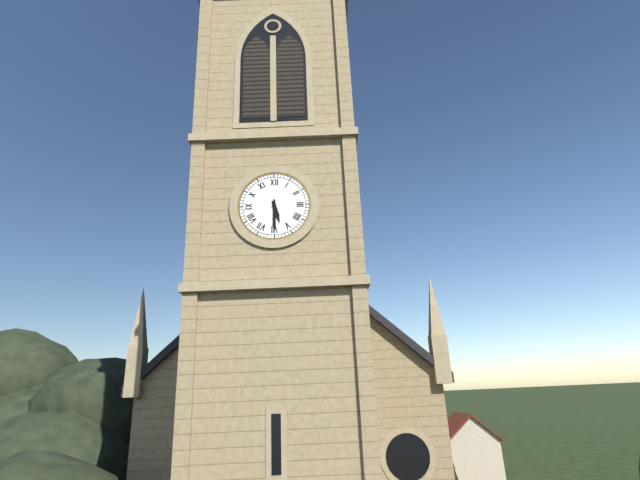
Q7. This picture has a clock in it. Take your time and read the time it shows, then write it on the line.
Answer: 5:30
